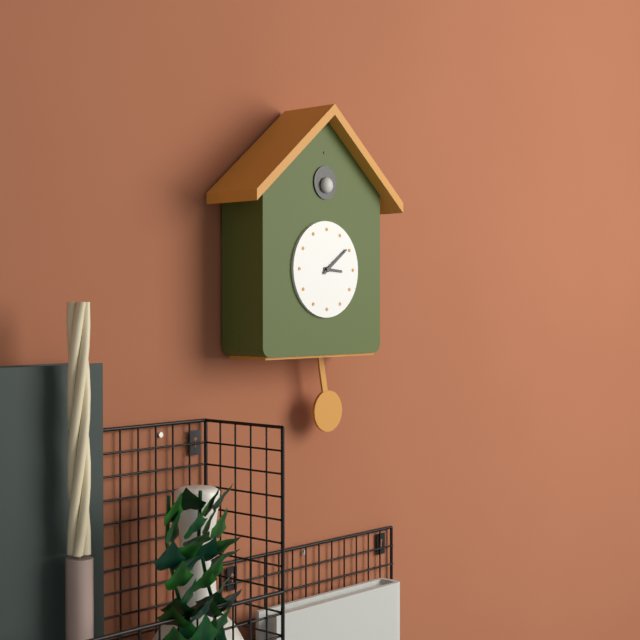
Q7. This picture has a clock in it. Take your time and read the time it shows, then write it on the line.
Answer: 3:09
